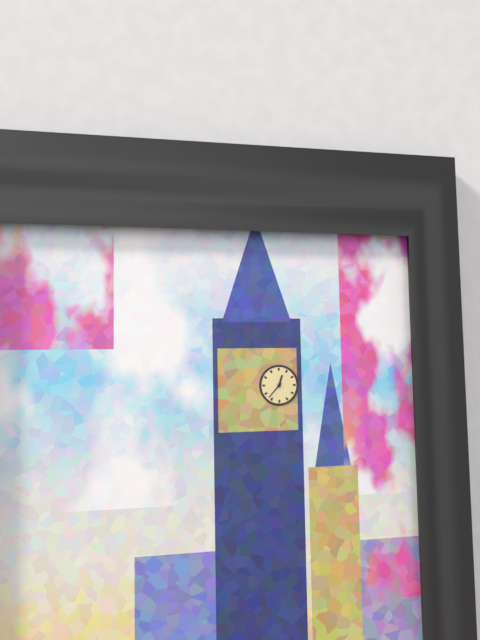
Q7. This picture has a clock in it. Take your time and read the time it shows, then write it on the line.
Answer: 12:37
